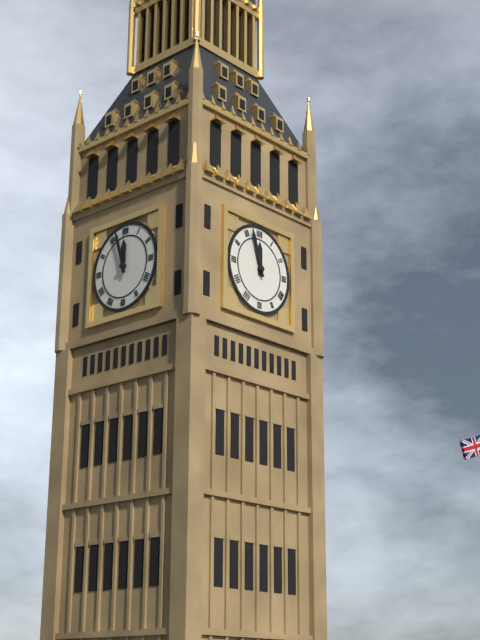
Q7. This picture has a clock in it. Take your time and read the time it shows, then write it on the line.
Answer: 11:57
